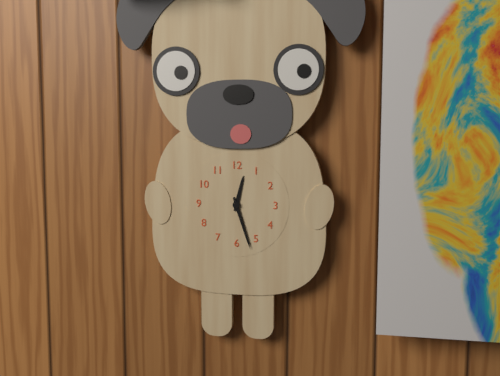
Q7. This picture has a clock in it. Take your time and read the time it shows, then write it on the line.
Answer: 12:27
